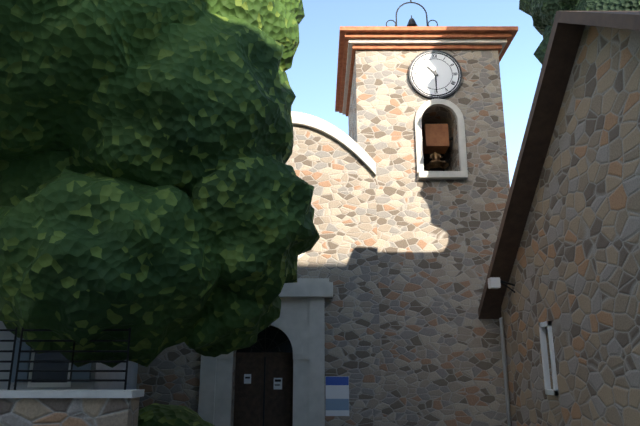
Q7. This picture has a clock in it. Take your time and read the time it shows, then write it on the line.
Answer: 10:30
